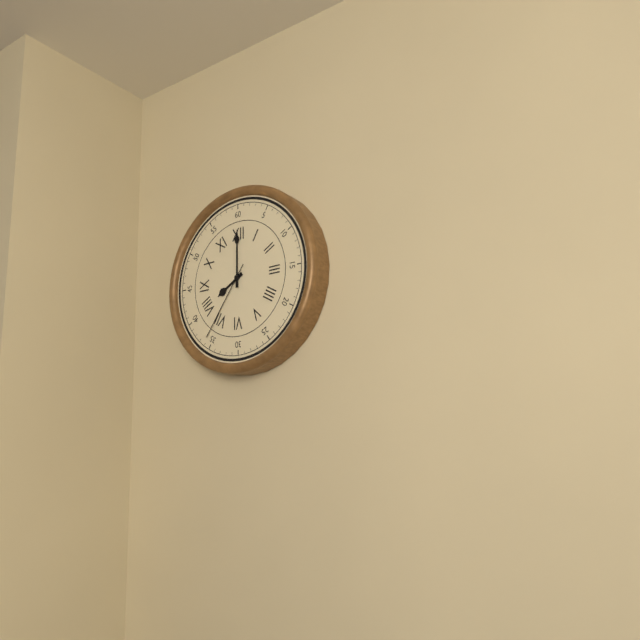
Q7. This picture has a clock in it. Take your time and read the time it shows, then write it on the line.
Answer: 8:00:36
